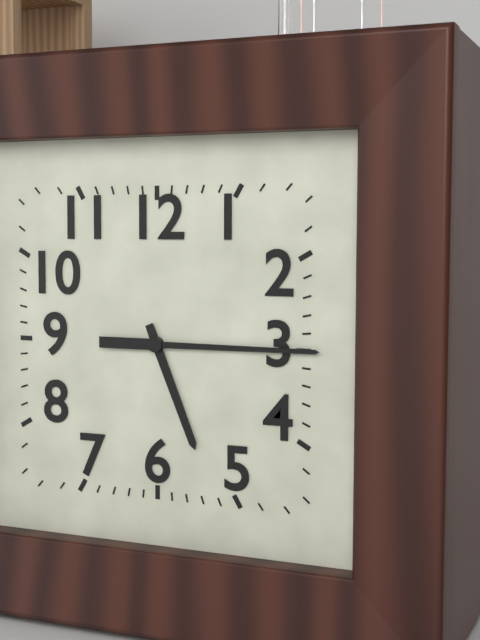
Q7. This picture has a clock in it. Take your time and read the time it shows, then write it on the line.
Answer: 5:15
